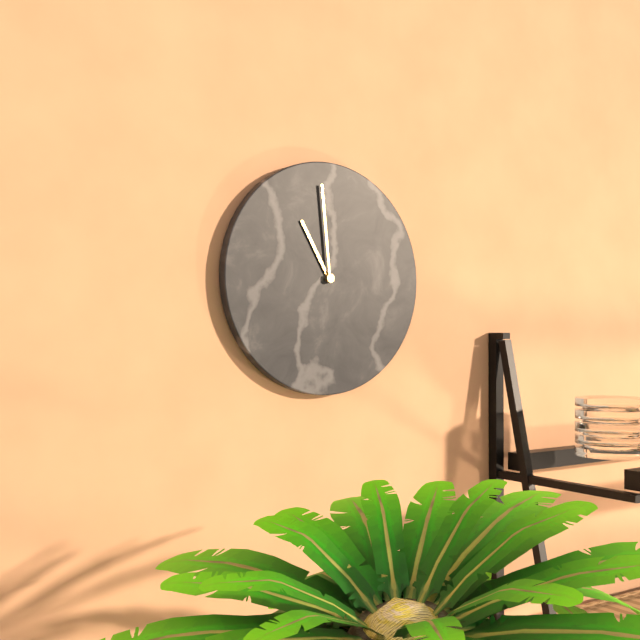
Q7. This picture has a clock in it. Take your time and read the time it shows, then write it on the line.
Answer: 10:59
